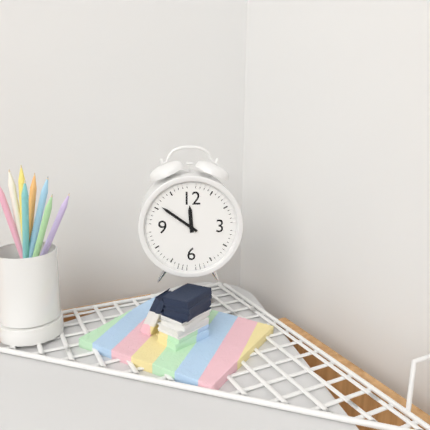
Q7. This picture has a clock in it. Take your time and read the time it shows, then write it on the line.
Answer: 11:51
